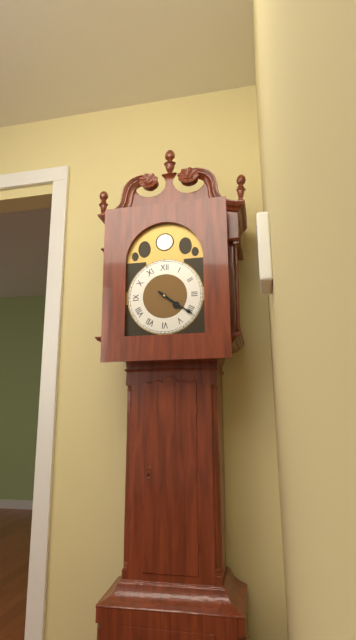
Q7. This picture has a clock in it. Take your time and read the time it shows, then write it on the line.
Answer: 4:21
